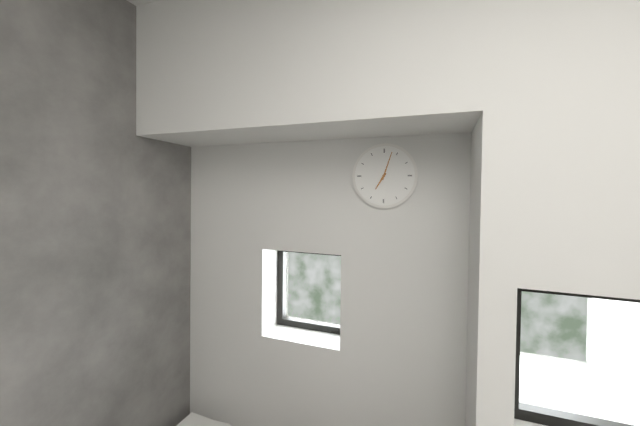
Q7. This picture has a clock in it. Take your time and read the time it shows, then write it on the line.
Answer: 7:03
